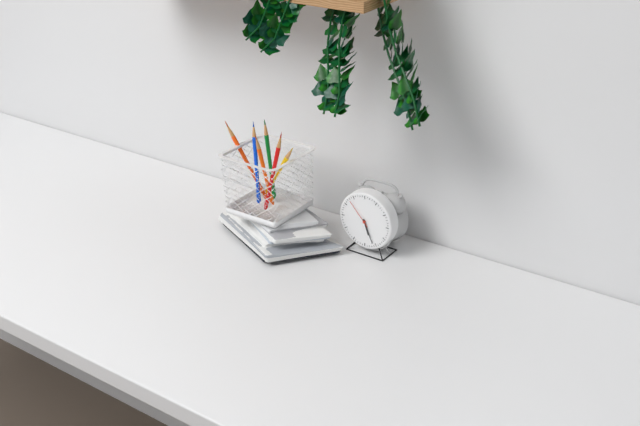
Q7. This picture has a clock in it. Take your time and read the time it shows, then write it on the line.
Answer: 5:26
